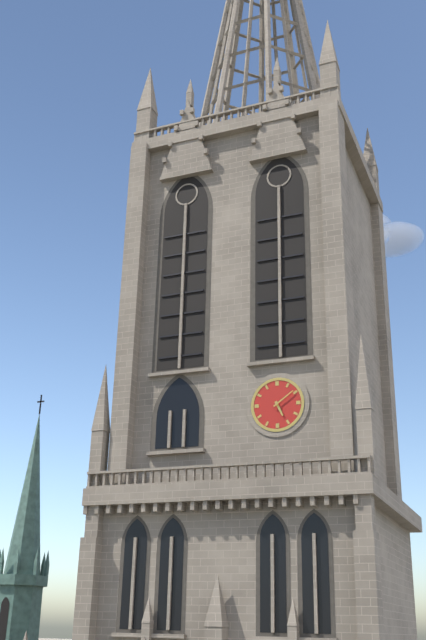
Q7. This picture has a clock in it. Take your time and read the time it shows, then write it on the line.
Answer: 5:09
